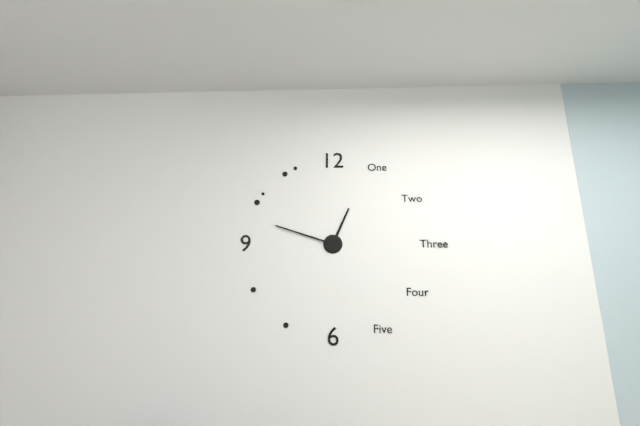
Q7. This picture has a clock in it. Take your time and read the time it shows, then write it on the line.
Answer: 12:48
